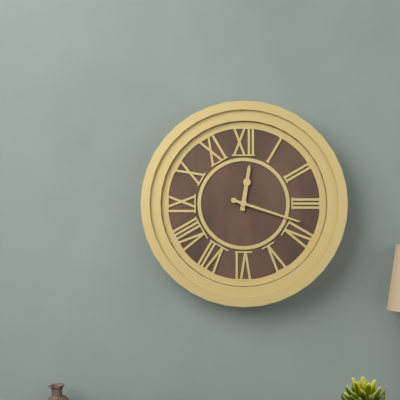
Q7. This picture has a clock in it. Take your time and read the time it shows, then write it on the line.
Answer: 12:18
